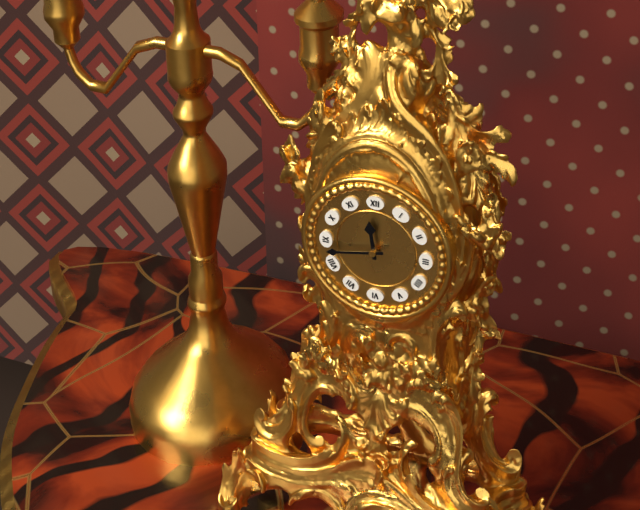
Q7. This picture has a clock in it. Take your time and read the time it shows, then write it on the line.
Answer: 11:43
